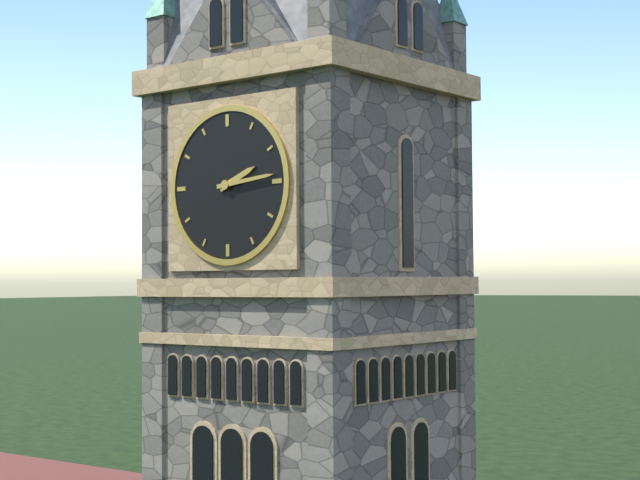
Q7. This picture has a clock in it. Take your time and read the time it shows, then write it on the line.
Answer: 2:14
